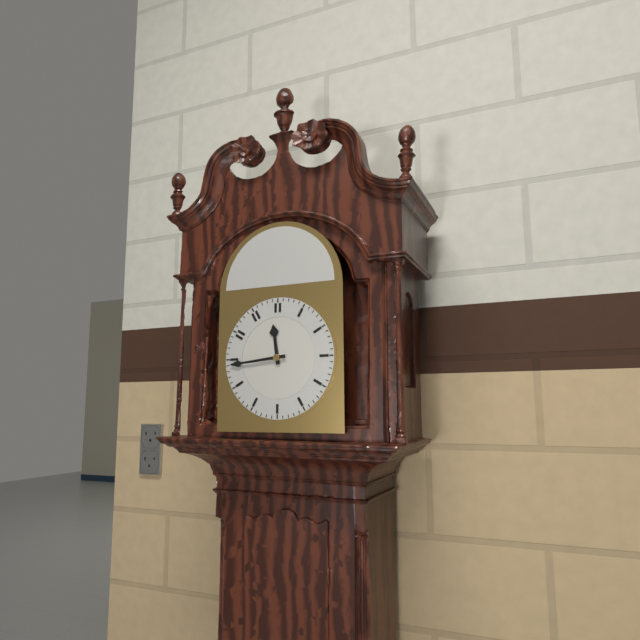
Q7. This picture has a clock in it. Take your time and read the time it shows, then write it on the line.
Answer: 11:44
